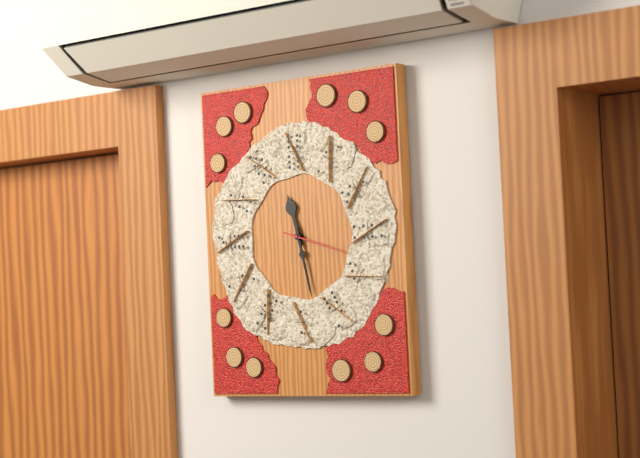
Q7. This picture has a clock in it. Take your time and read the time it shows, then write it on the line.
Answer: 11:28:18
